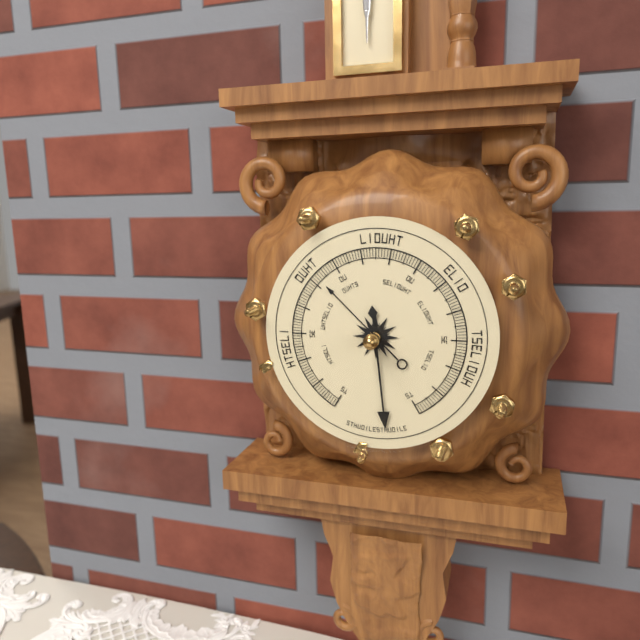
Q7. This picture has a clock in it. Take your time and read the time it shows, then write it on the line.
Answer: 10:29
